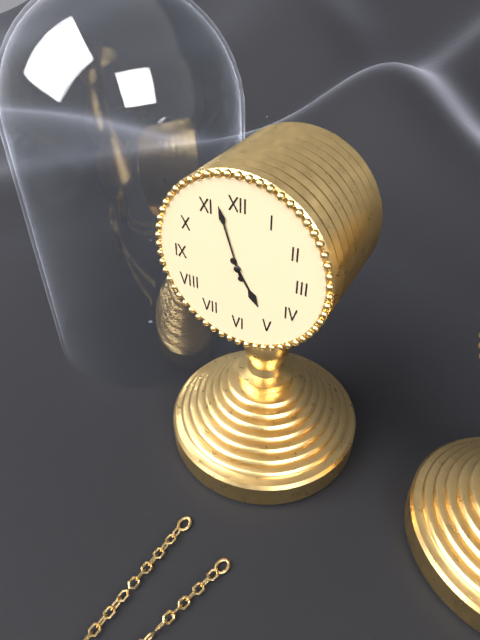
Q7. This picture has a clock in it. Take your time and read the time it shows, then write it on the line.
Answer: 4:57
